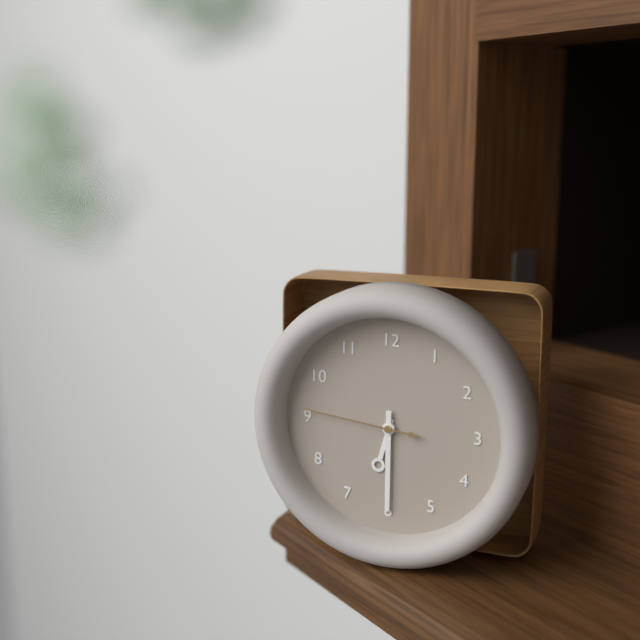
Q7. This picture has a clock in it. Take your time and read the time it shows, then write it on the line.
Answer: 6:30:46
